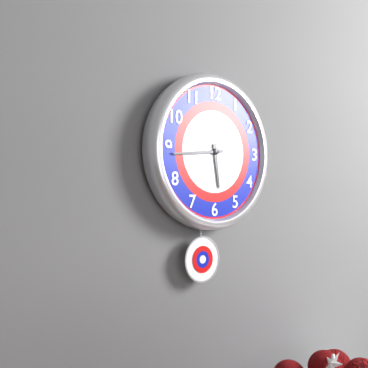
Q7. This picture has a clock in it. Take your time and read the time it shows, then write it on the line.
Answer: 5:44
